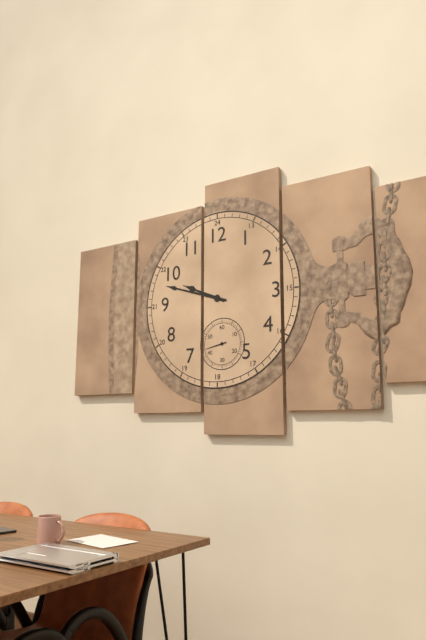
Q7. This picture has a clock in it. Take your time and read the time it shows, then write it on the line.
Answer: 9:48
